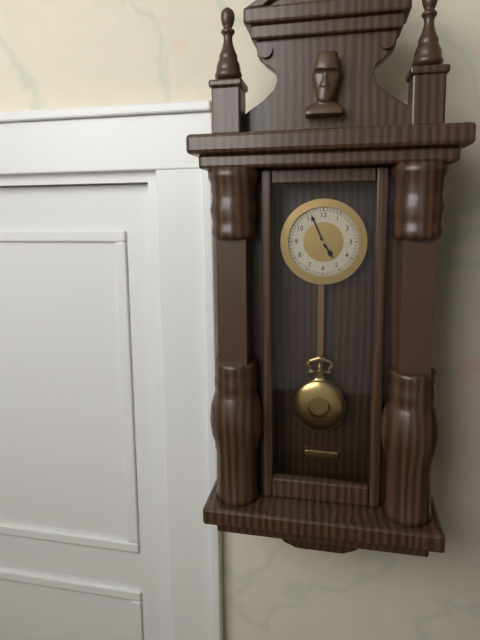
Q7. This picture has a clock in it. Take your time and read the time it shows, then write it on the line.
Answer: 4:56
